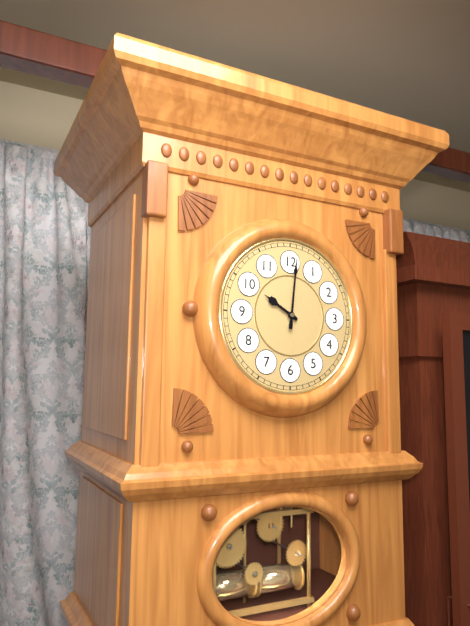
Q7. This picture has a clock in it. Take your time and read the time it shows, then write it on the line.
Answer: 10:01
